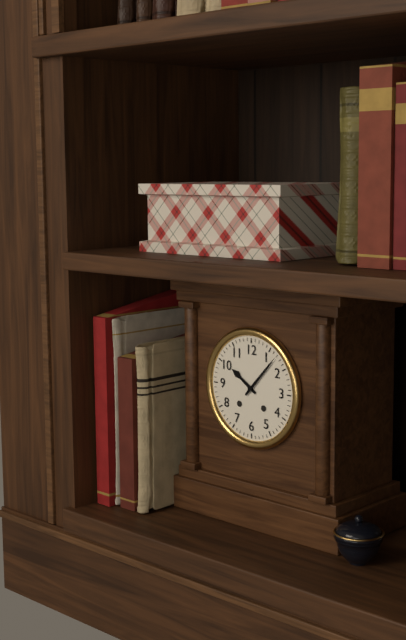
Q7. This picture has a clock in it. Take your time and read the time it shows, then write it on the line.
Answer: 10:07
